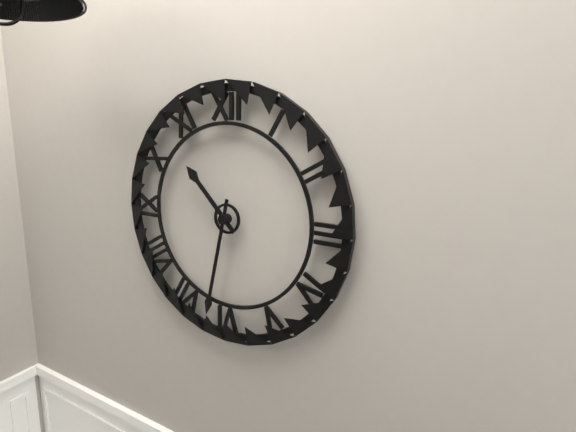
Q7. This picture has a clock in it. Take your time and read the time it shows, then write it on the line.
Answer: 10:32
